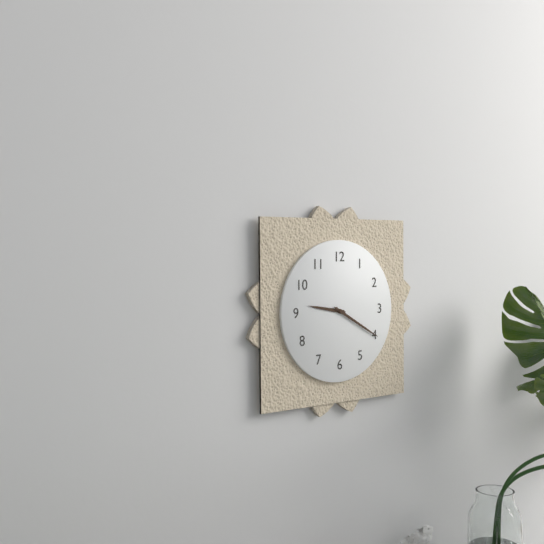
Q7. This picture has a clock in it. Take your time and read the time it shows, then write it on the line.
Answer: 9:20
